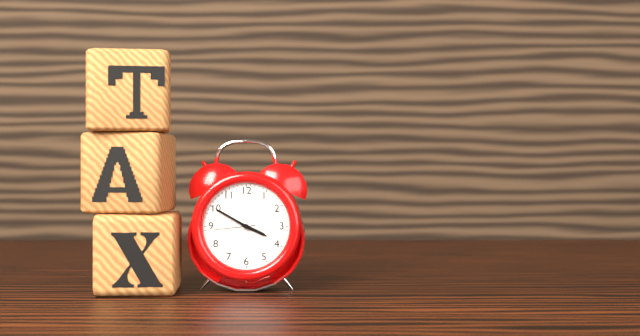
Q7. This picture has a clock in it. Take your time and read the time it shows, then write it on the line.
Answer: 3:50
